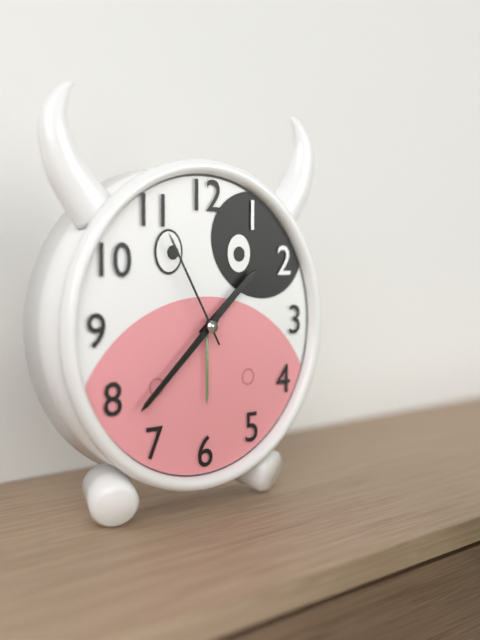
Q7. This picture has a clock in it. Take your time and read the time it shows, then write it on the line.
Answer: 1:38:55
